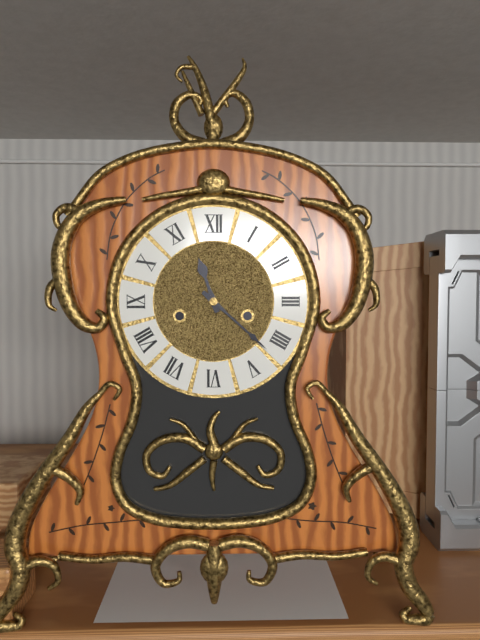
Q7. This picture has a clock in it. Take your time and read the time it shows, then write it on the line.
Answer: 11:22
